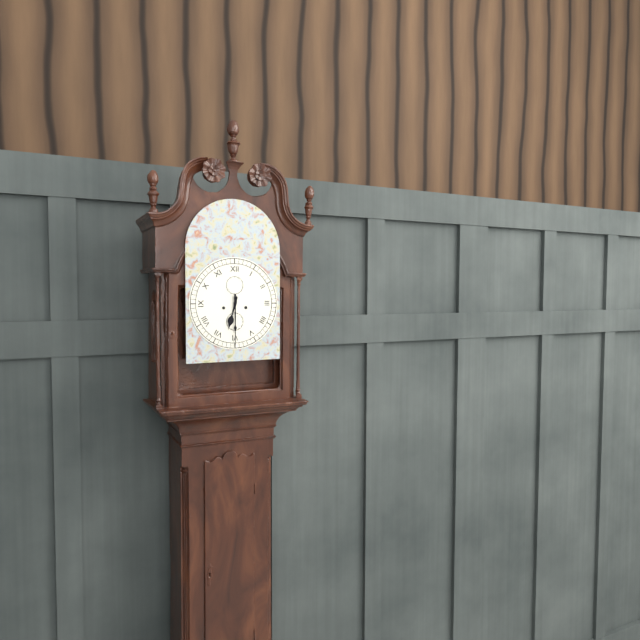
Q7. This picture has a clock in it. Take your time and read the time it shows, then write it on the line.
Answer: 6:30
